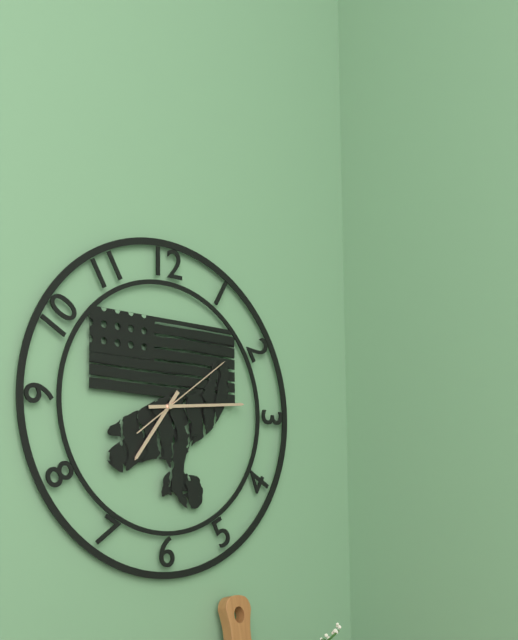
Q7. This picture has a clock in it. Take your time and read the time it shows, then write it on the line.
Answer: 7:14:09
